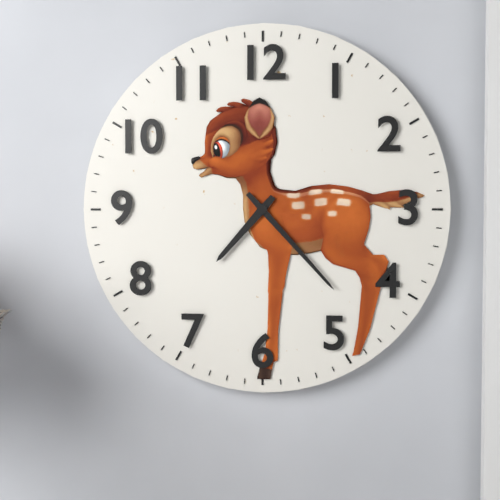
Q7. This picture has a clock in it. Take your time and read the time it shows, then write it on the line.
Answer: 7:23
